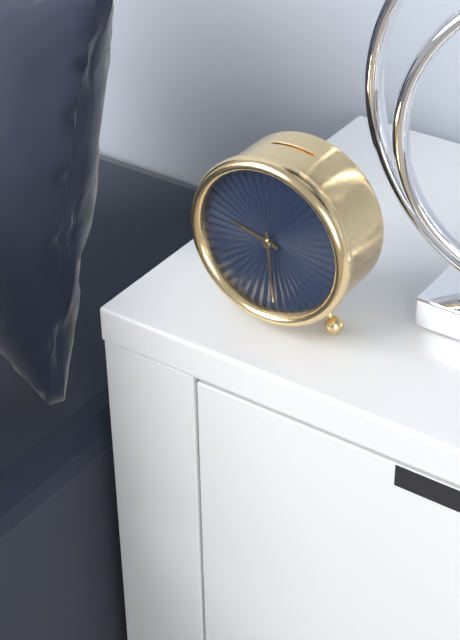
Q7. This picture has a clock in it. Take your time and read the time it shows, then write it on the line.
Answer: 9:29
